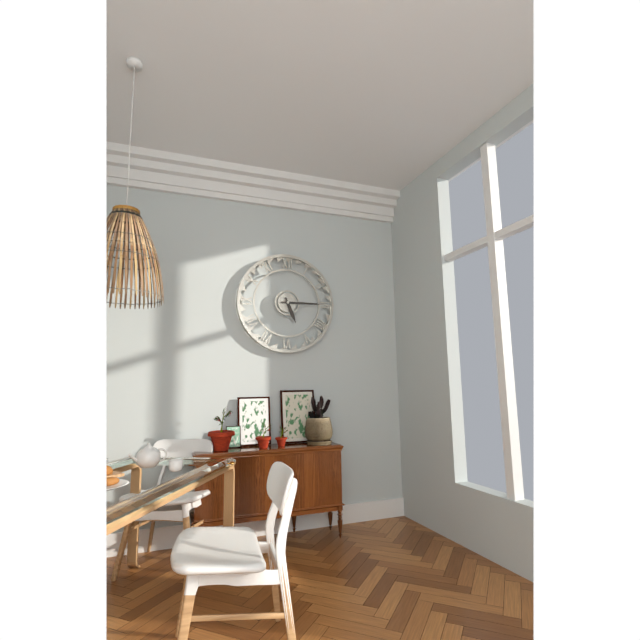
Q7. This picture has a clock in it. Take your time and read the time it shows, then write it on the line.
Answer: 5:15
